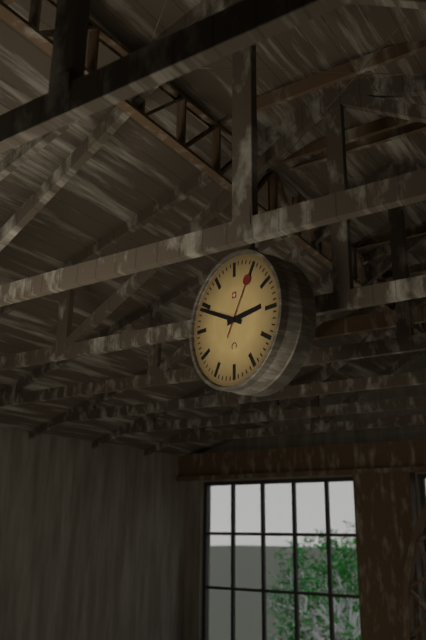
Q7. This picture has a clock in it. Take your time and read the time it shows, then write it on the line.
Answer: 2:49:05
